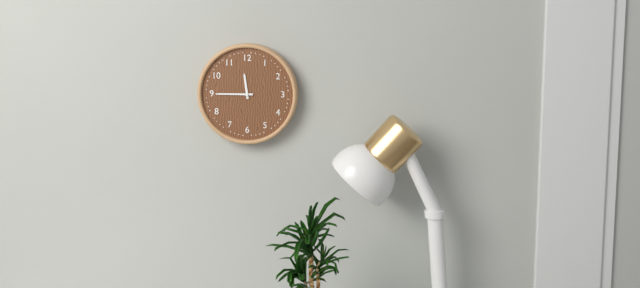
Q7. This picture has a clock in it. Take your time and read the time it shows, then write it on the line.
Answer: 11:45
